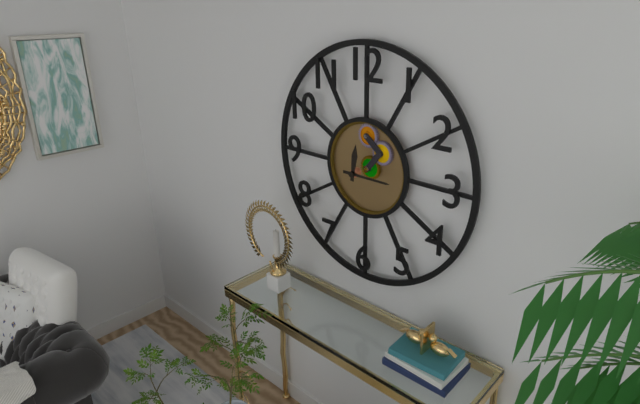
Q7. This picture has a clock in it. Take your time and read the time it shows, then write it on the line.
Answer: 12:15
